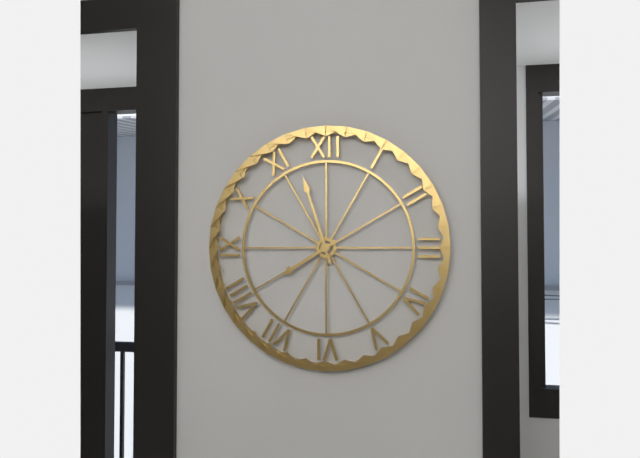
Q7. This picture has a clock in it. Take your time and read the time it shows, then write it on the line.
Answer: 7:57
